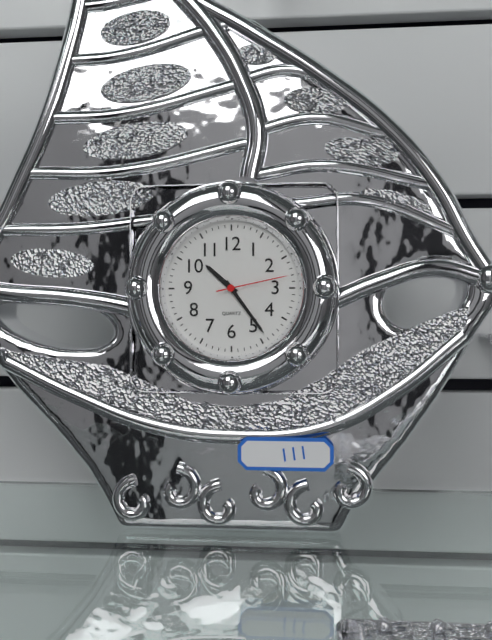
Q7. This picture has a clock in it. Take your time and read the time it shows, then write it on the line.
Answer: 10:24:13
